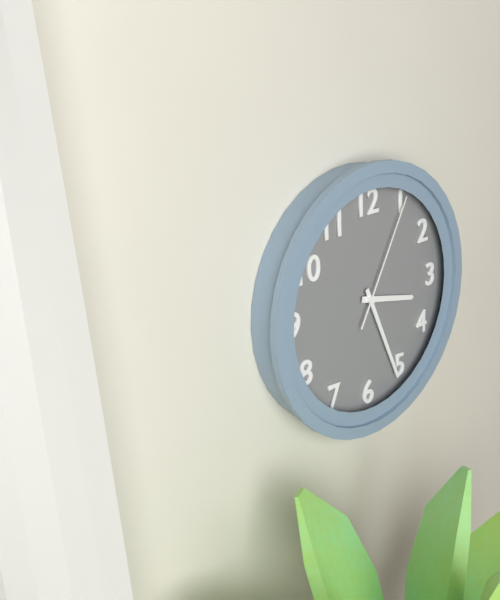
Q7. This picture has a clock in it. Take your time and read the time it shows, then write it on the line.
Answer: 3:26:05
